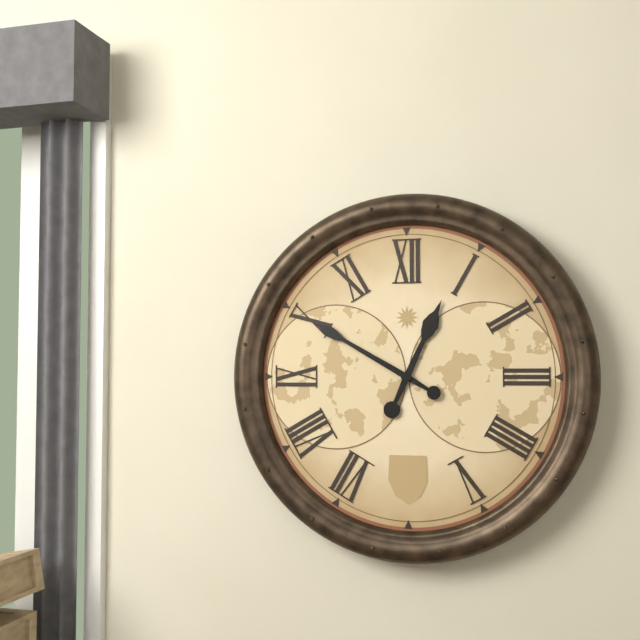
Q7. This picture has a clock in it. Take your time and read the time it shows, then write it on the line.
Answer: 12:50
